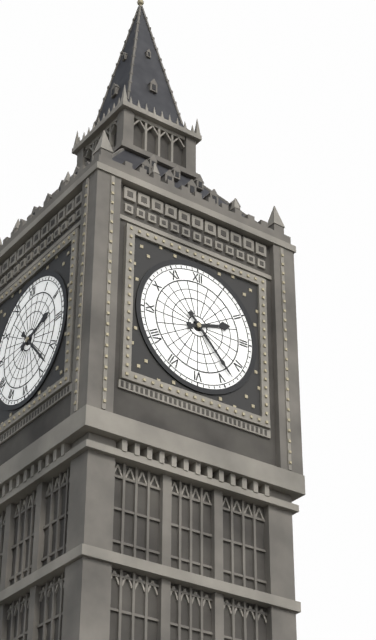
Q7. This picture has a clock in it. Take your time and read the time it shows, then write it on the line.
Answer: 2:23
